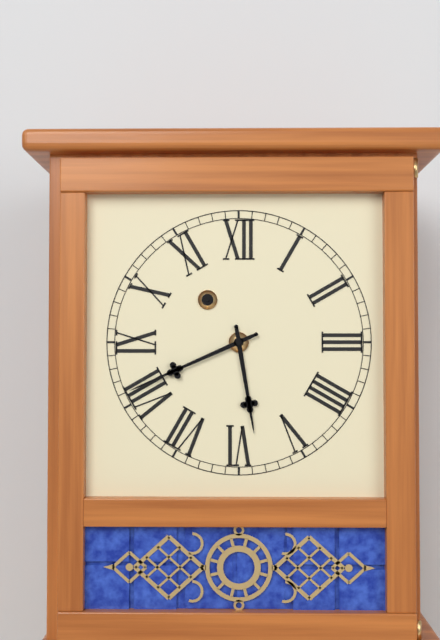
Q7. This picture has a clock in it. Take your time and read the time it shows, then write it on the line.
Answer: 5:41
